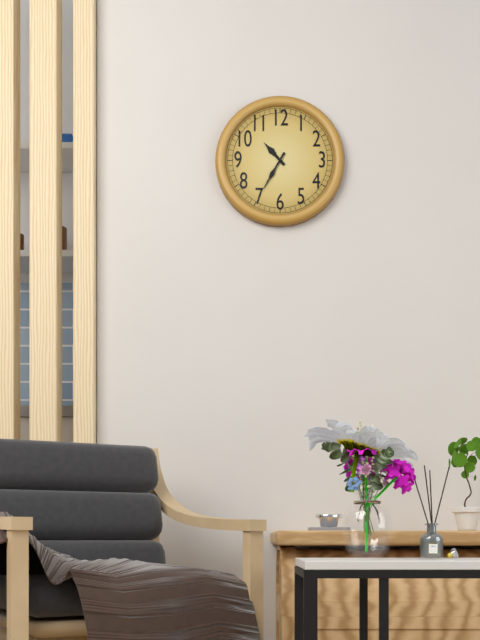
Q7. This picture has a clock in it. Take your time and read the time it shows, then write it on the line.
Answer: 10:35
